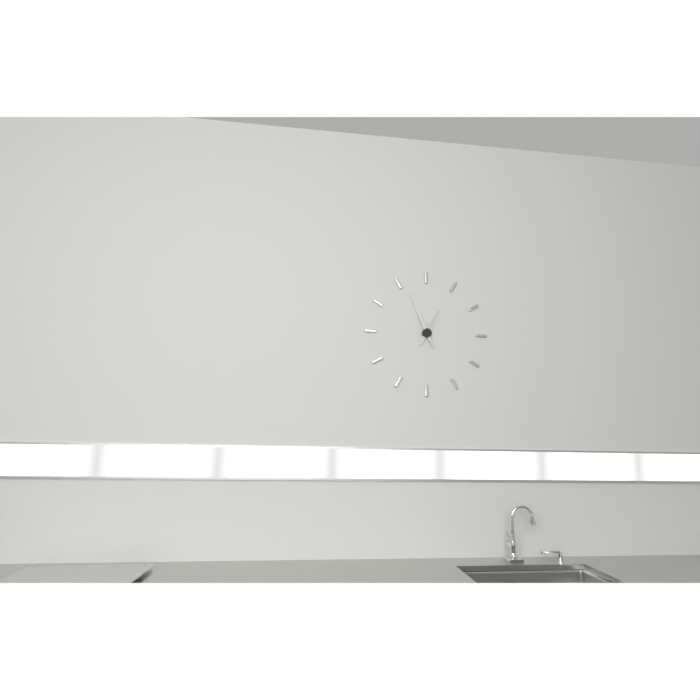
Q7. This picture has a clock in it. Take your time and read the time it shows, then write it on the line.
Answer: 12:56
